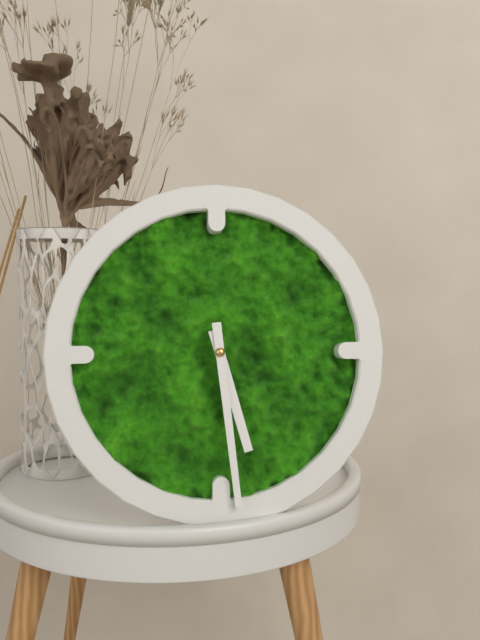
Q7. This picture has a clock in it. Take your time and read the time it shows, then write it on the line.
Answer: 5:29
